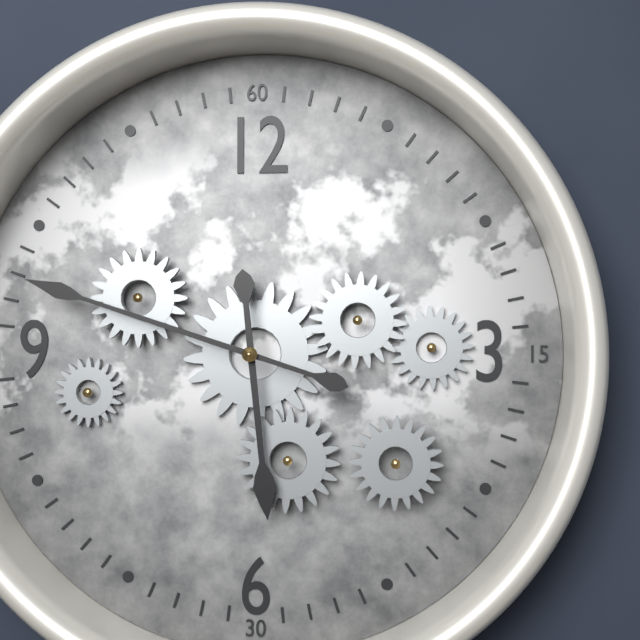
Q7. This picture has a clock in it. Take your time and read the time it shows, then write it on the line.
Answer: 5:48
